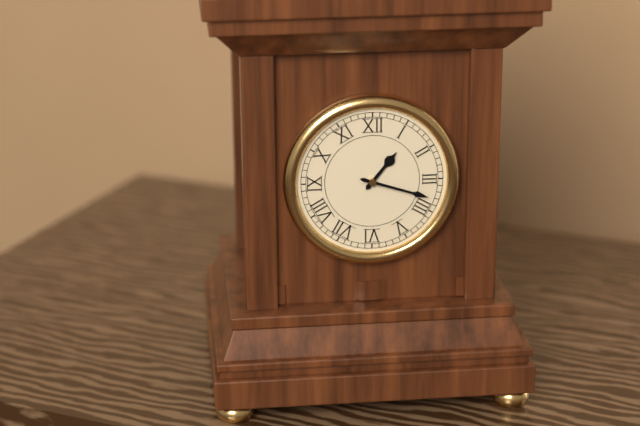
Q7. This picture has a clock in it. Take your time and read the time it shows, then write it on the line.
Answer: 1:18
